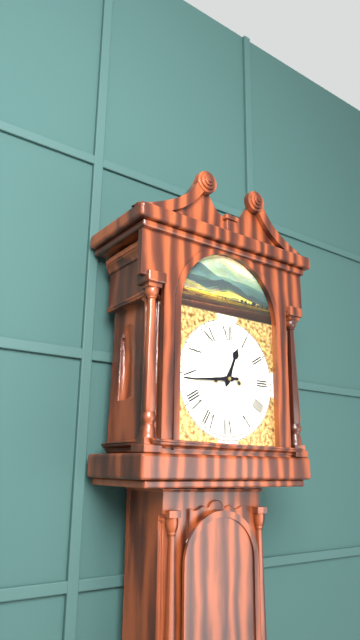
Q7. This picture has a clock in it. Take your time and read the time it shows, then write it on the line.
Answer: 12:44
